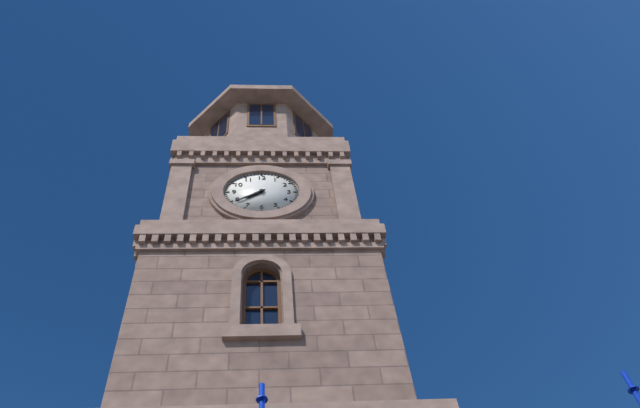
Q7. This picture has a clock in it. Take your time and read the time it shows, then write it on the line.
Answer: 7:39
